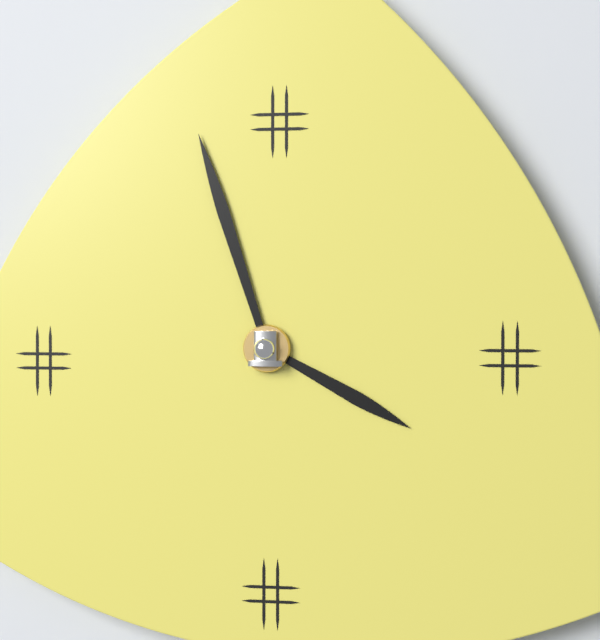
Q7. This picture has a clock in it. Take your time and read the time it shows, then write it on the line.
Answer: 3:57
